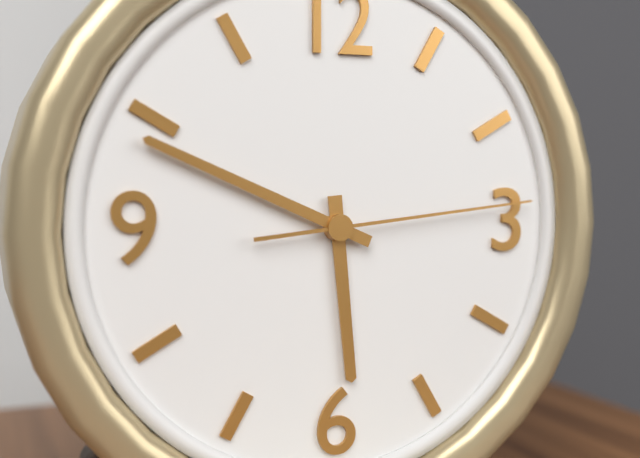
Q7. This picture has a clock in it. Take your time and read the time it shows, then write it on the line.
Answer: 5:49:14
